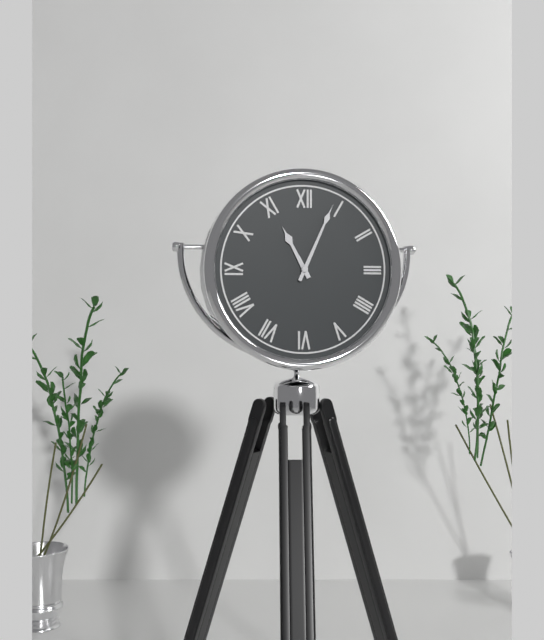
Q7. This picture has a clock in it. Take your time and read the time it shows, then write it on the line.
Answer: 11:04
